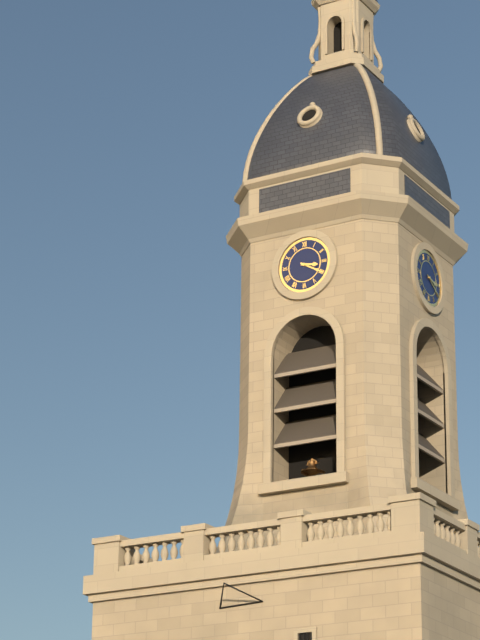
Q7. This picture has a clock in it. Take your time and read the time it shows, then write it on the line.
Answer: 3:20
